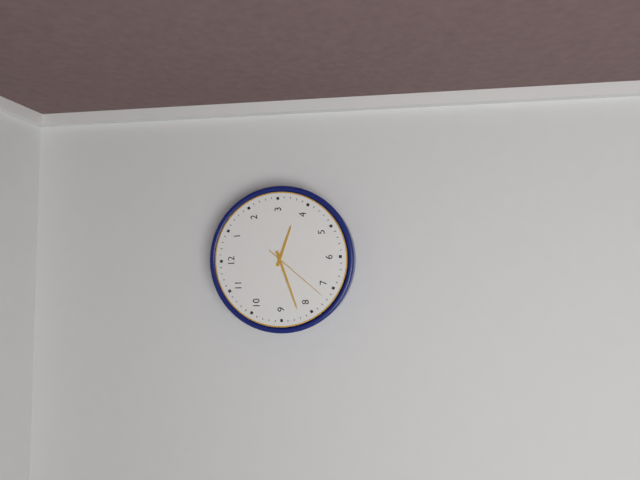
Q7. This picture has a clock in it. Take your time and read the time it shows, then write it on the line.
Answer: 3:42:37
